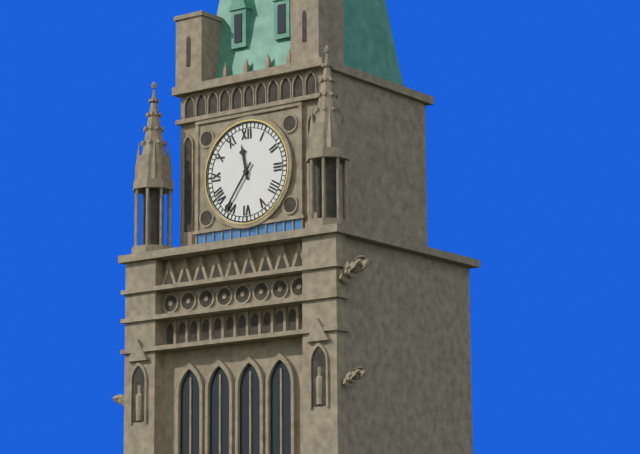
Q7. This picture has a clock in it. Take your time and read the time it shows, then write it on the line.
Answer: 11:36
